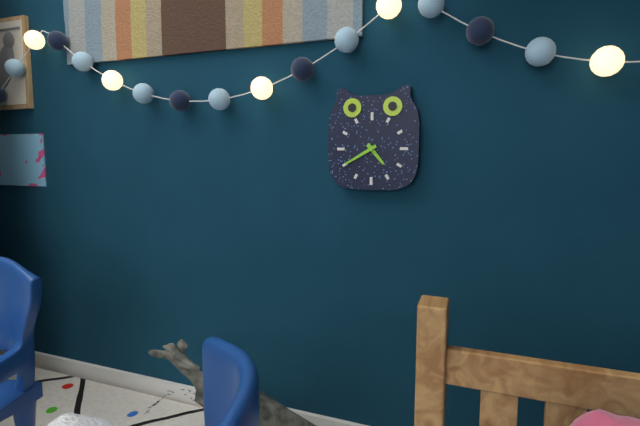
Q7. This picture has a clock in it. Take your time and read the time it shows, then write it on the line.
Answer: 4:40
